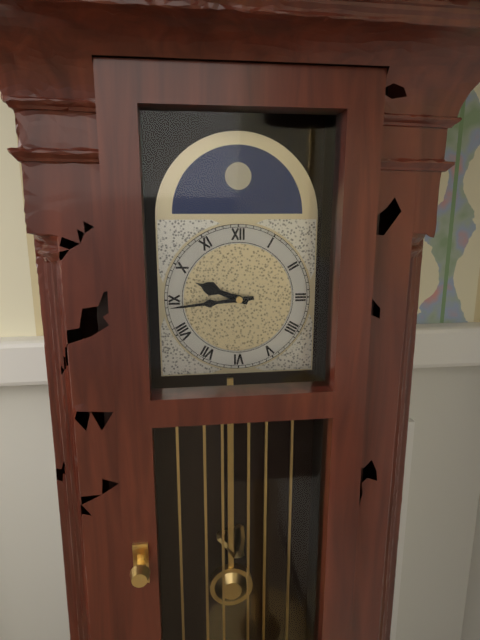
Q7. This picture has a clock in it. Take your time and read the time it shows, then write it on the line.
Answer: 9:44
